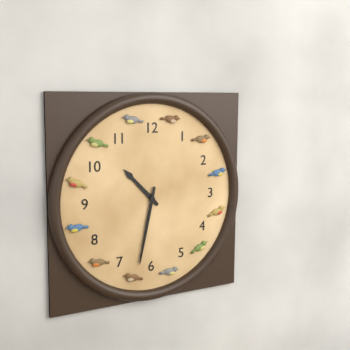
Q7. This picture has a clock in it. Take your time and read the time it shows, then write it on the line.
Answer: 10:32
